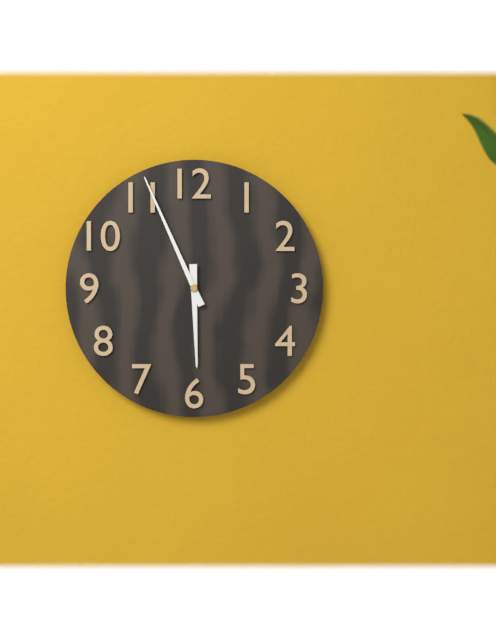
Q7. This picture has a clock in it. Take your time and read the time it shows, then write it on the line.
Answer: 5:56
